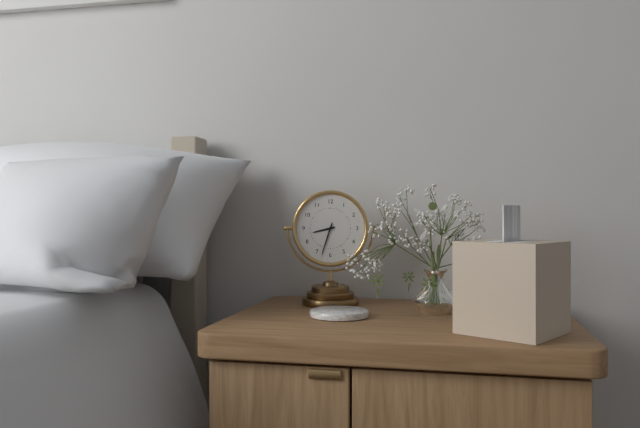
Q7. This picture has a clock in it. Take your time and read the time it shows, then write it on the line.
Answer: 8:33
